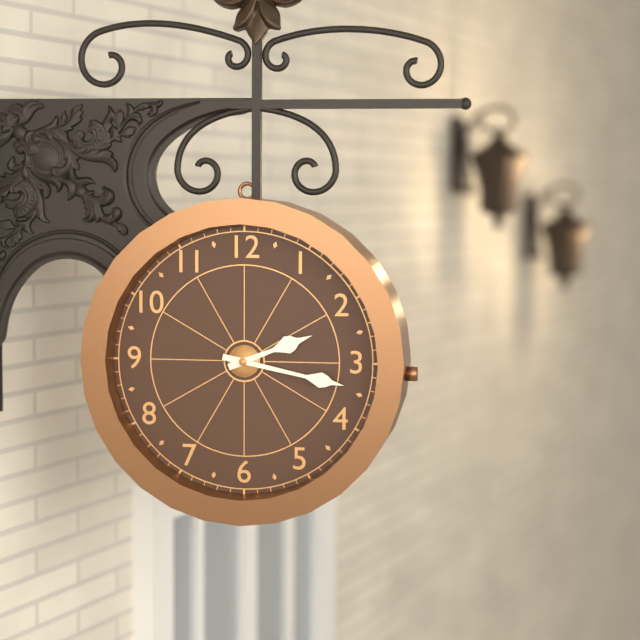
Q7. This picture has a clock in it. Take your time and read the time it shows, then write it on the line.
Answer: 2:17
